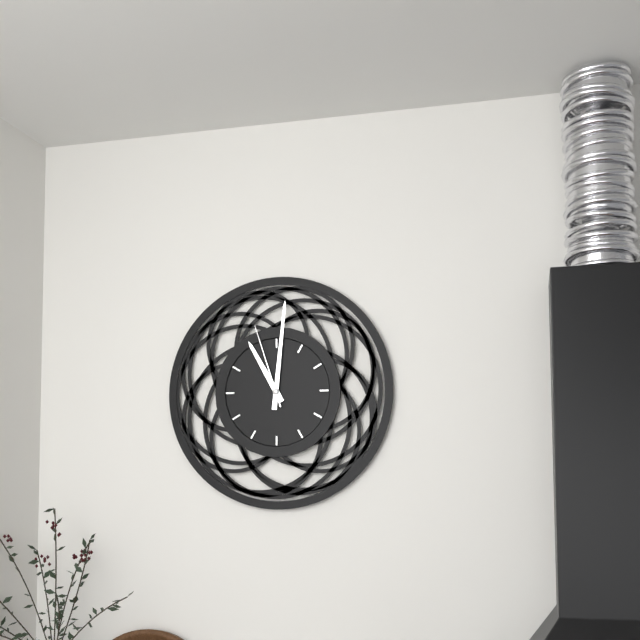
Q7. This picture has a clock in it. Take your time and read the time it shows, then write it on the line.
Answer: 11:01:57
